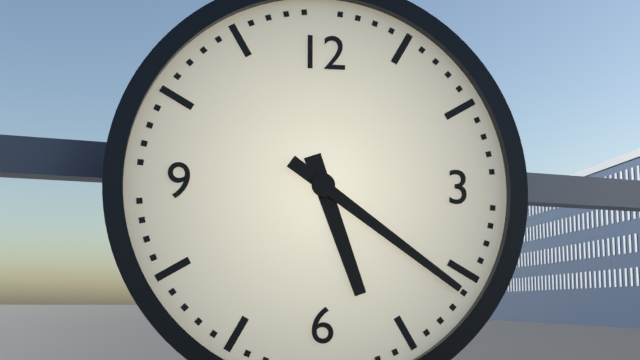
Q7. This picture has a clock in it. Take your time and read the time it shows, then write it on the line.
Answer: 5:21
